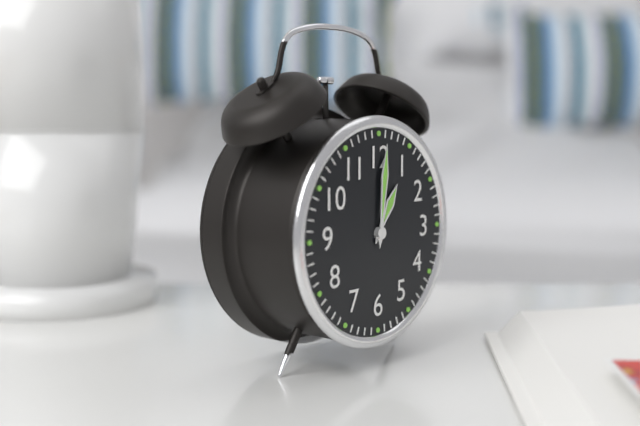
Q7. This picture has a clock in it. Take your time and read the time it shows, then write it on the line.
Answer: 1:01
